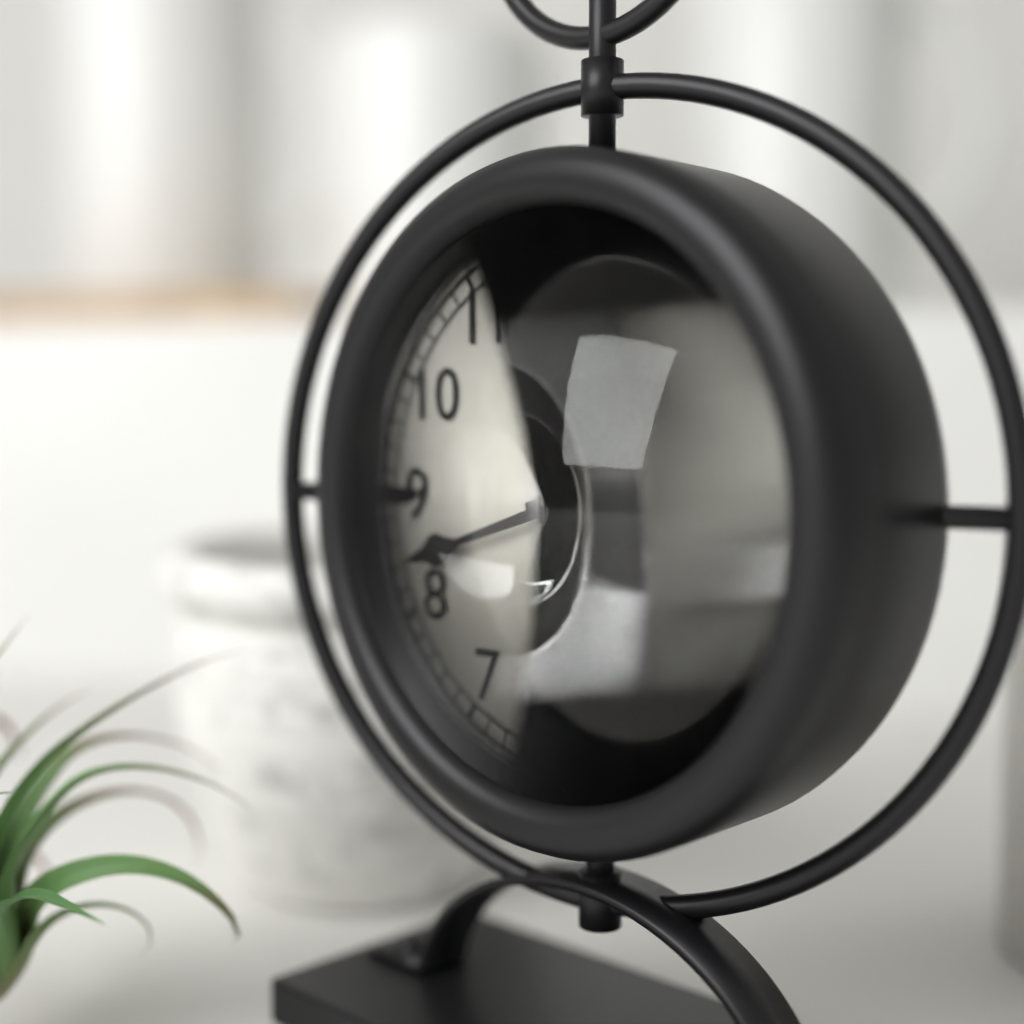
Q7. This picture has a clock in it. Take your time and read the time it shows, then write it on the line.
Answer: 2:42
